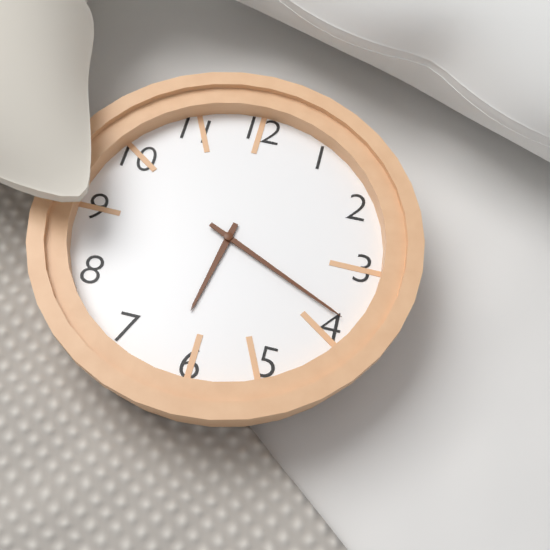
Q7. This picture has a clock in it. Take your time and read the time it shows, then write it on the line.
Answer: 6:19
